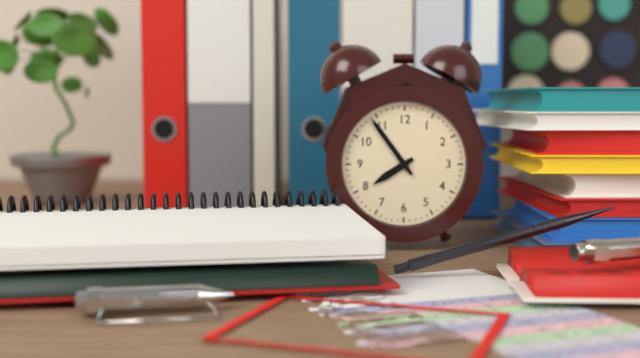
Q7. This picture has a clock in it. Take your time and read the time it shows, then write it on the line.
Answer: 7:54
